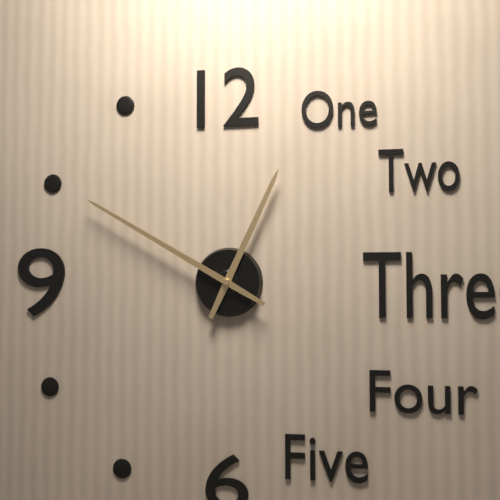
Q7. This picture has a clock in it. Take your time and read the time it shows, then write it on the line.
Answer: 12:50
